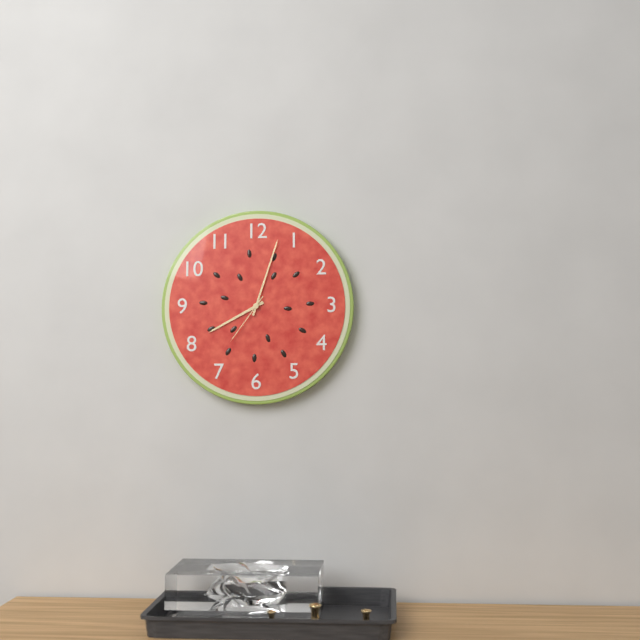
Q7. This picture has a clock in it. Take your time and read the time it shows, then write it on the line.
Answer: 8:03:36
